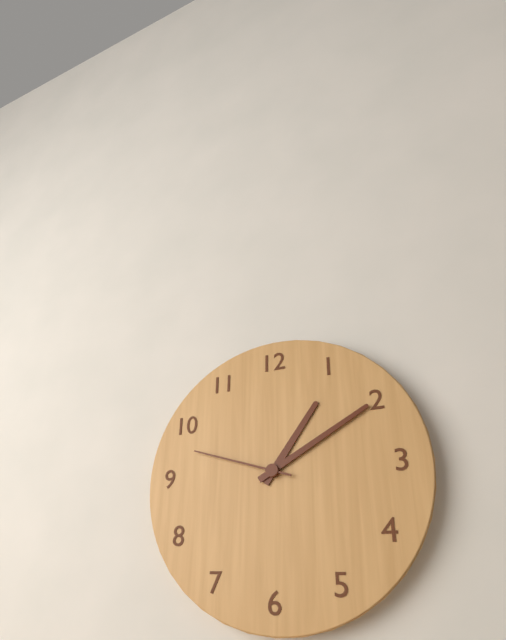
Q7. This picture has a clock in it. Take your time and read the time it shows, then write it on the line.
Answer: 1:10:48
